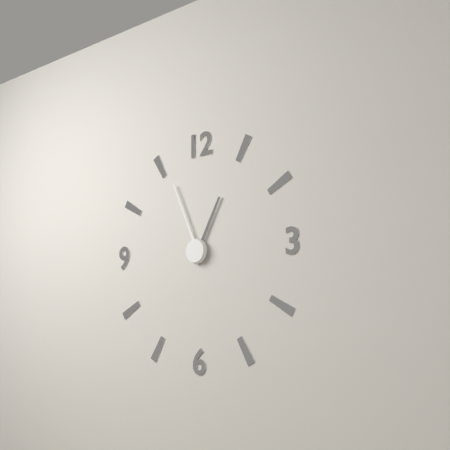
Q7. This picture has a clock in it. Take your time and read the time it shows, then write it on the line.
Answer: 12:56
